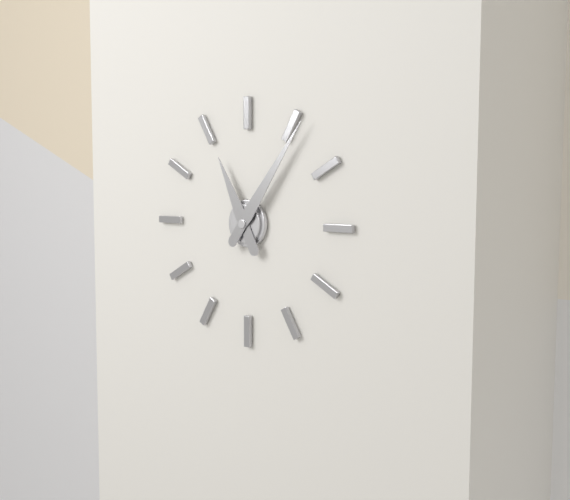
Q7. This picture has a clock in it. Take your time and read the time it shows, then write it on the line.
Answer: 11:06
